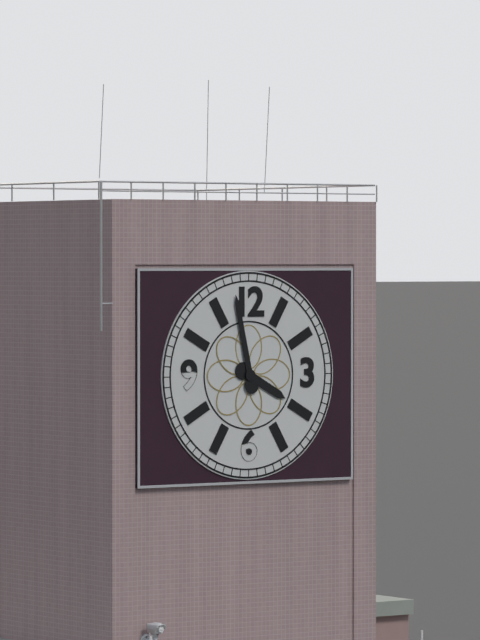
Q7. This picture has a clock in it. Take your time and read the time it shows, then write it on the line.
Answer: 3:58
